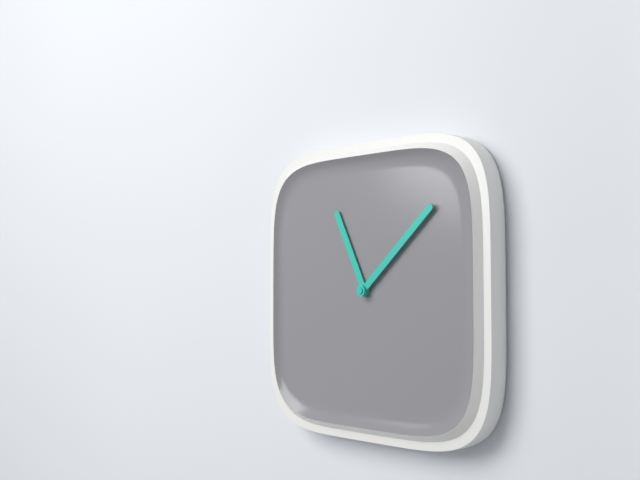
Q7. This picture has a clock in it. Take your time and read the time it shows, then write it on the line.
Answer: 11:08
